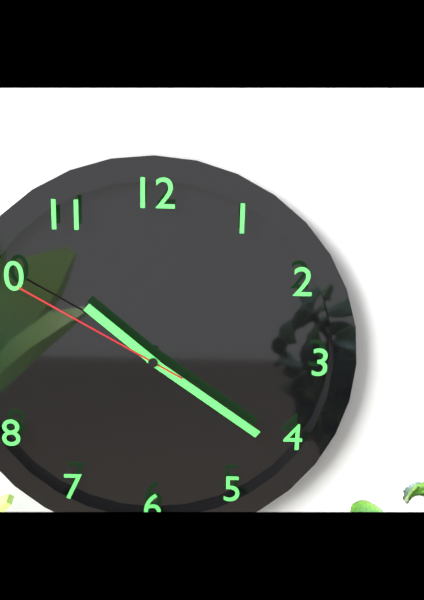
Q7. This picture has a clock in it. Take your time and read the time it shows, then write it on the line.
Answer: 10:21:50
